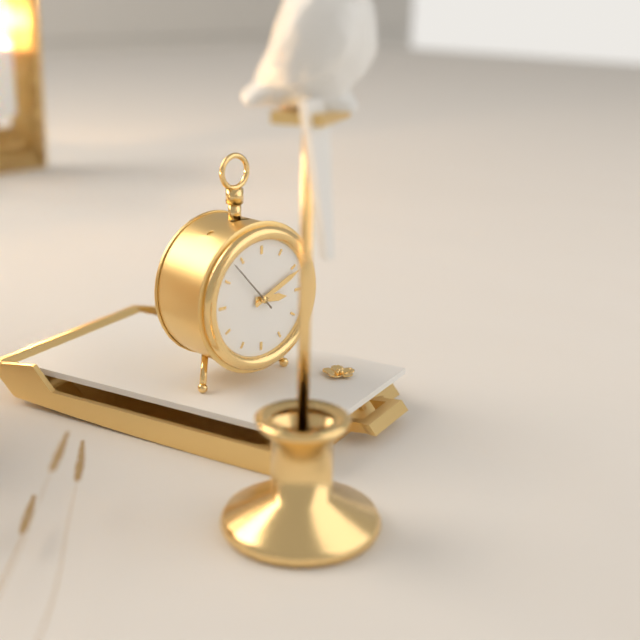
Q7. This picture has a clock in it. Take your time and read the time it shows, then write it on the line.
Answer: 3:11
